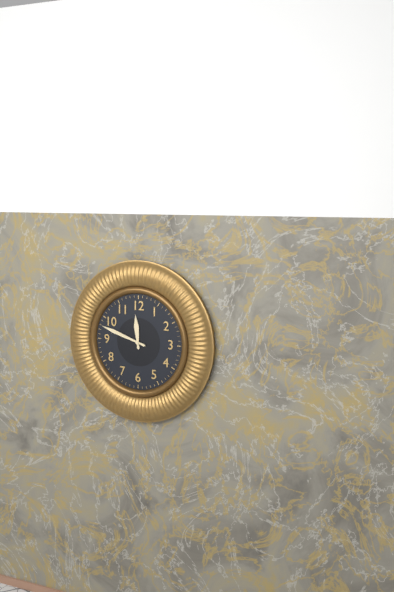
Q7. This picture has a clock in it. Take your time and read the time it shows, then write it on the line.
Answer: 11:48
